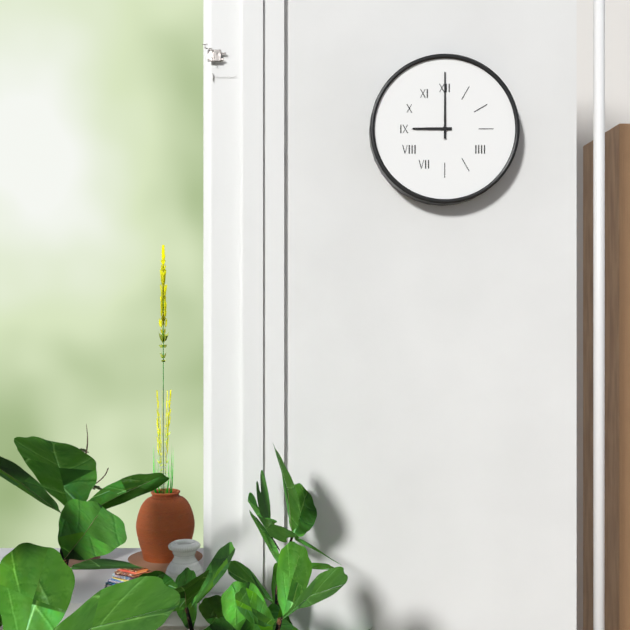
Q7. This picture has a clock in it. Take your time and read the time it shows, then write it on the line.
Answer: 9:00
